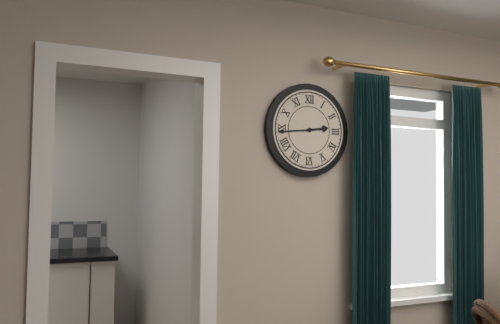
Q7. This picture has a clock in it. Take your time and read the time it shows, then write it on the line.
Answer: 2:44
